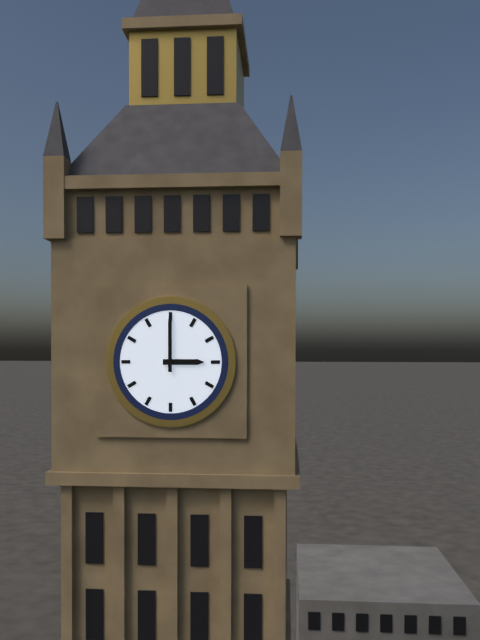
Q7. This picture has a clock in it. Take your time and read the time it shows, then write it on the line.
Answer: 3:00
